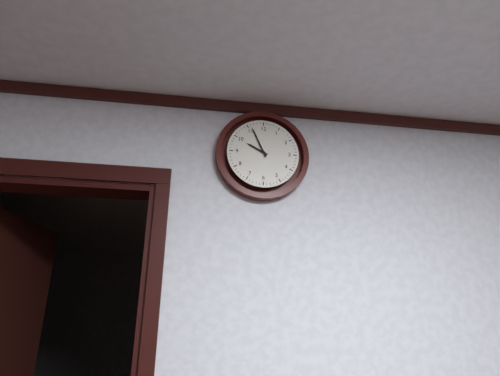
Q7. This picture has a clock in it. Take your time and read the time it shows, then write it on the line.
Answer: 9:56
